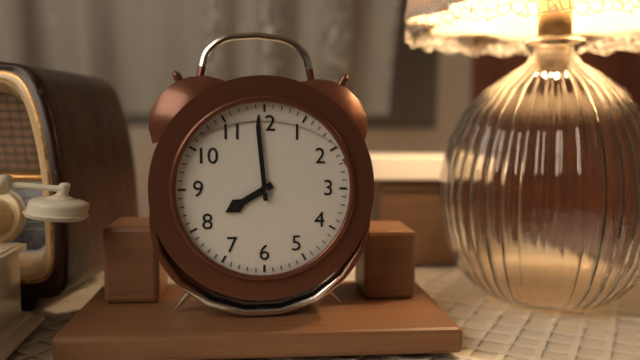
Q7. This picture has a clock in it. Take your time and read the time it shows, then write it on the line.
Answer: 7:59
